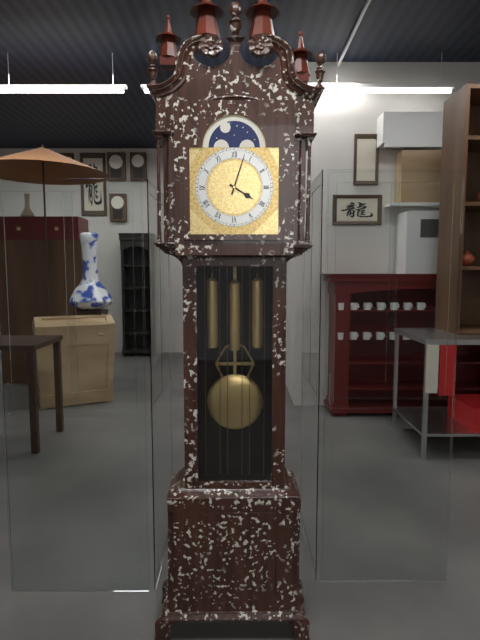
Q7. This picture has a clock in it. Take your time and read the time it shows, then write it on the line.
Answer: 4:03
